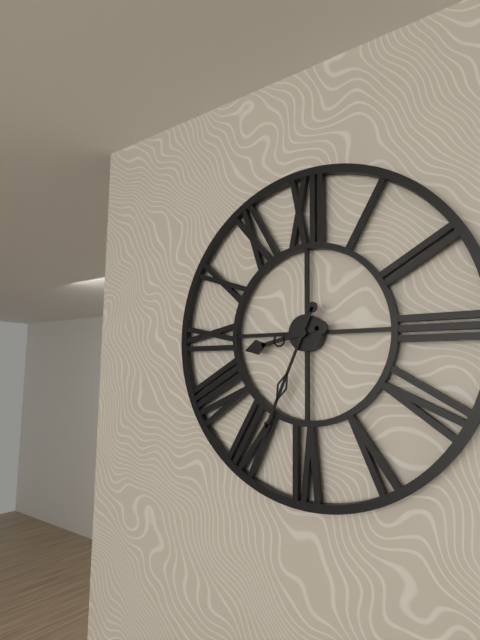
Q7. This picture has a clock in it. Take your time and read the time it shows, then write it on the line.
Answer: 8:34
